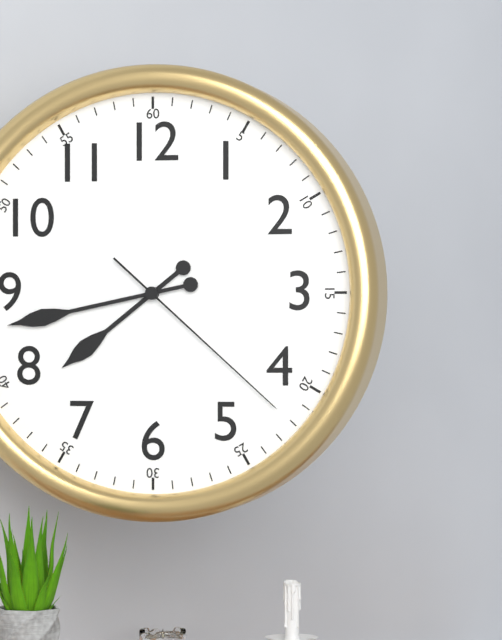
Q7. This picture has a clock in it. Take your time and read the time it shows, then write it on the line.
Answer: 7:43:22
